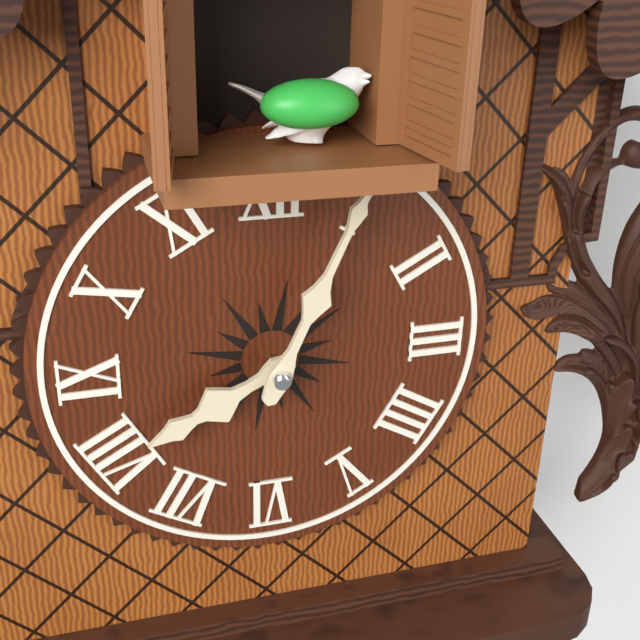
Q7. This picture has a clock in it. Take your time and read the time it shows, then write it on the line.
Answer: 8:04
